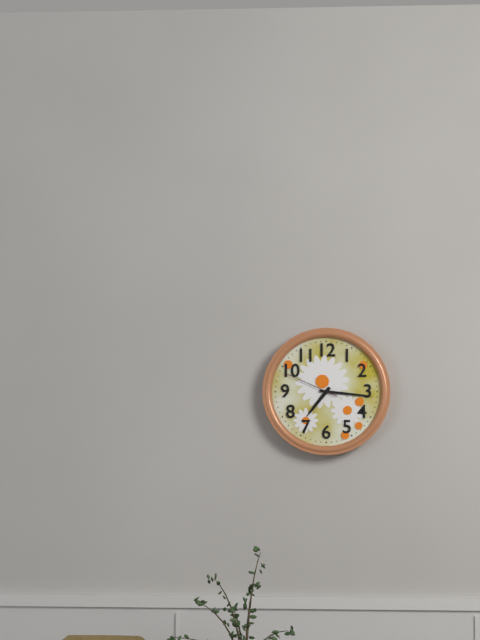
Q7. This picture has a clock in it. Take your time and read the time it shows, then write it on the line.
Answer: 7:16:49
